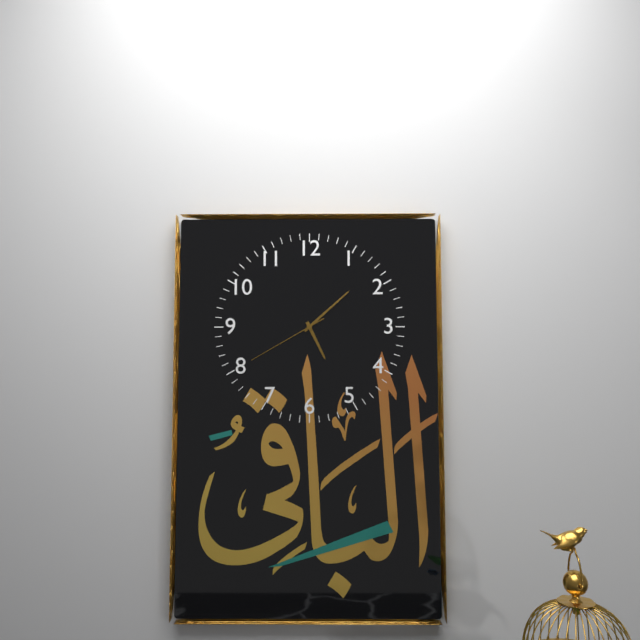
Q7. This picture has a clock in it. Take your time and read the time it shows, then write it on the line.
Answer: 5:08:40
